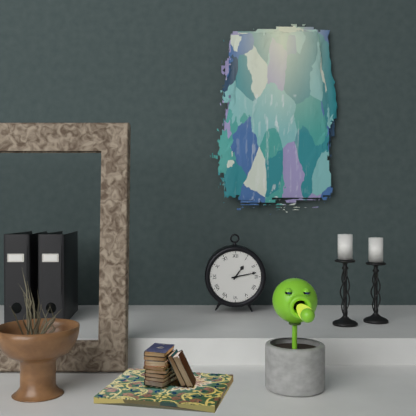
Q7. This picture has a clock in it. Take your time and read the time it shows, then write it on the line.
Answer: 1:13
